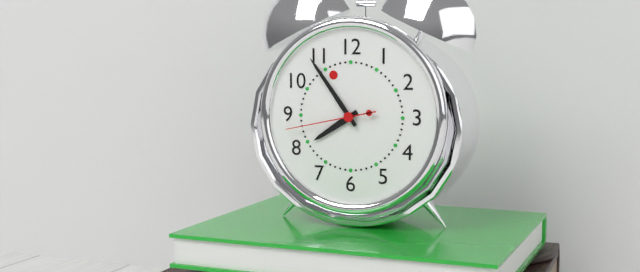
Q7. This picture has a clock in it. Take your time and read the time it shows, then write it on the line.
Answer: 7:54:43
